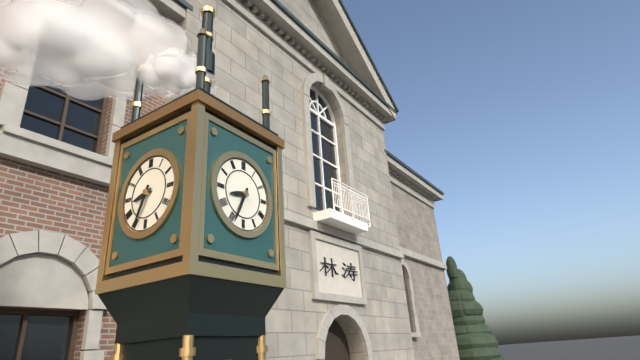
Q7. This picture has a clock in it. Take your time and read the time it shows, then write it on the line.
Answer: 8:34
